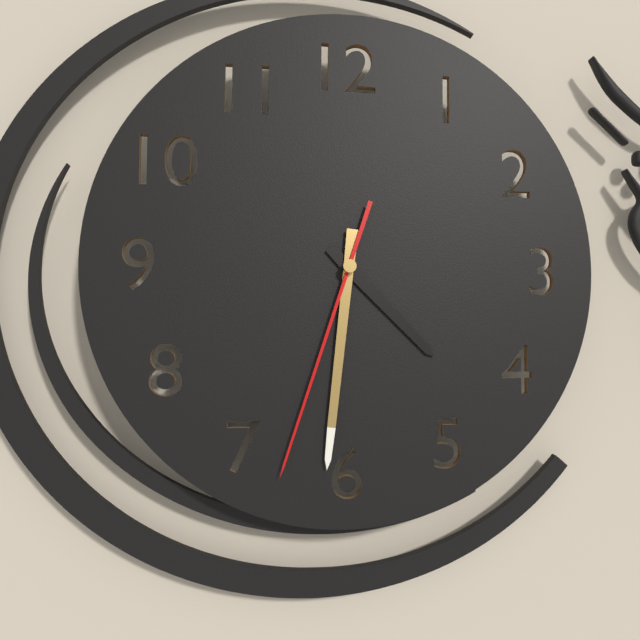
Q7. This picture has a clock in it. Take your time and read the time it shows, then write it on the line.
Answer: 4:31:33
